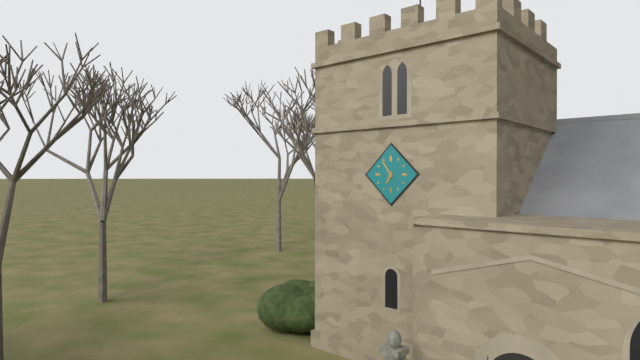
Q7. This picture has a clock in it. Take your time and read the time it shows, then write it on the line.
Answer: 6:54
